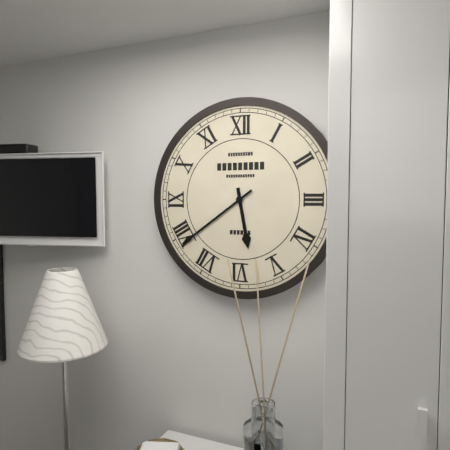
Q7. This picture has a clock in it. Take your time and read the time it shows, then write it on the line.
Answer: 5:39
